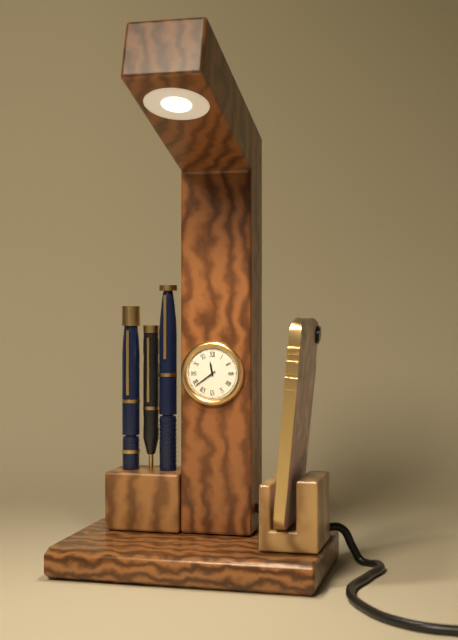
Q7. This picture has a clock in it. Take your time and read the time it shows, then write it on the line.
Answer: 11:39
